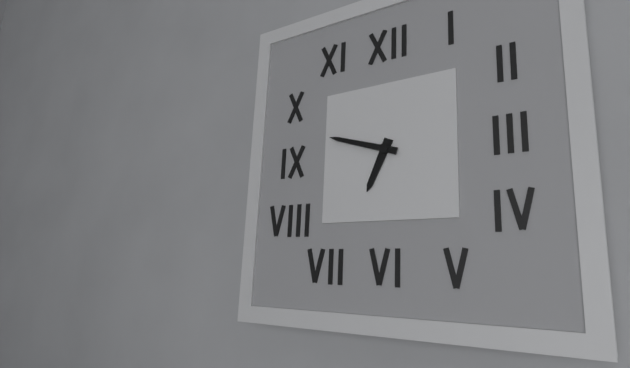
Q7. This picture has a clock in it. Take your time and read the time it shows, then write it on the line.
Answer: 6:48
